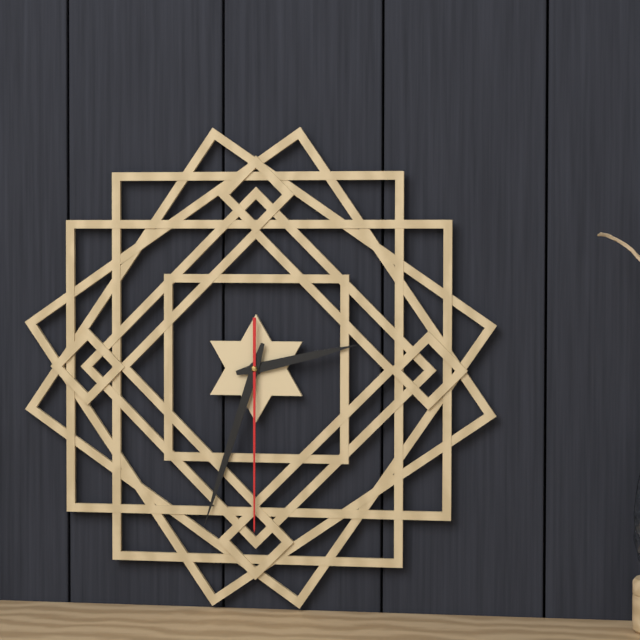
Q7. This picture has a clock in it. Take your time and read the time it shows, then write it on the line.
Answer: 2:33:30
